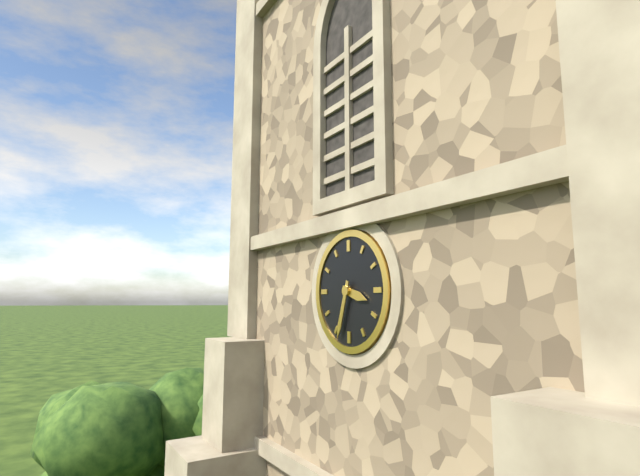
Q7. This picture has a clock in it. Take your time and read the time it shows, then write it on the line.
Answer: 3:33
